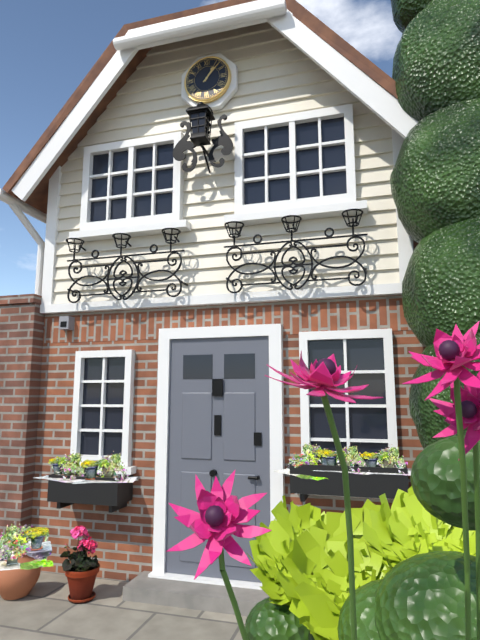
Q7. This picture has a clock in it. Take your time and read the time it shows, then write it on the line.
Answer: 1:07
